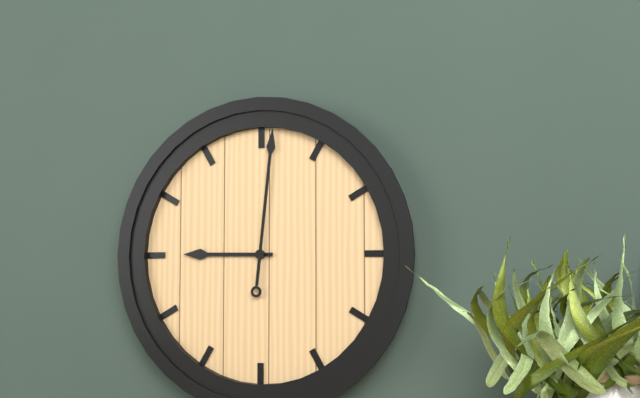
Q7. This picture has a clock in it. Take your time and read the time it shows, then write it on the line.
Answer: 9:01
